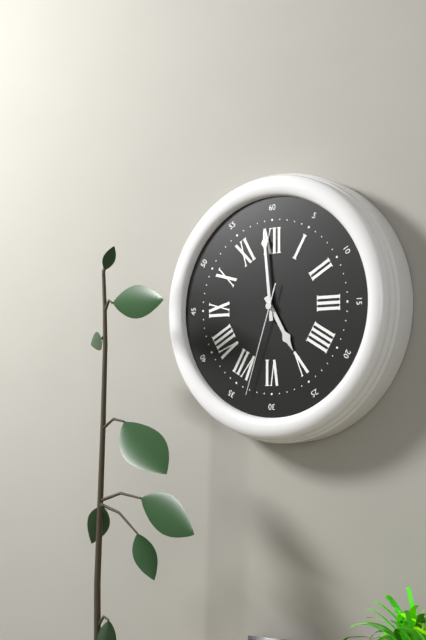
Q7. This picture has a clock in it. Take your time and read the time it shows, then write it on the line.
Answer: 4:59:33
